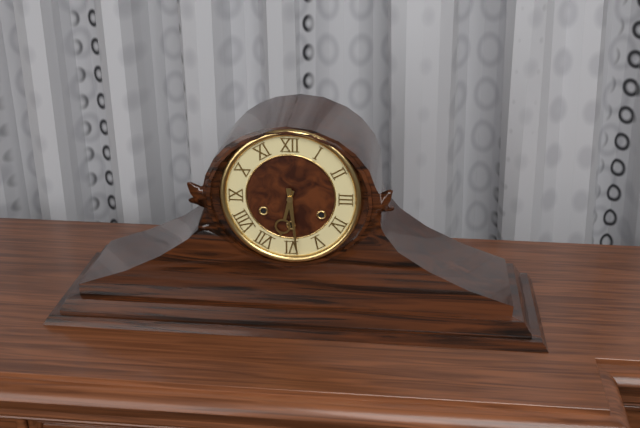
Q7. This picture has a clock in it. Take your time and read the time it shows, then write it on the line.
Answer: 6:29
